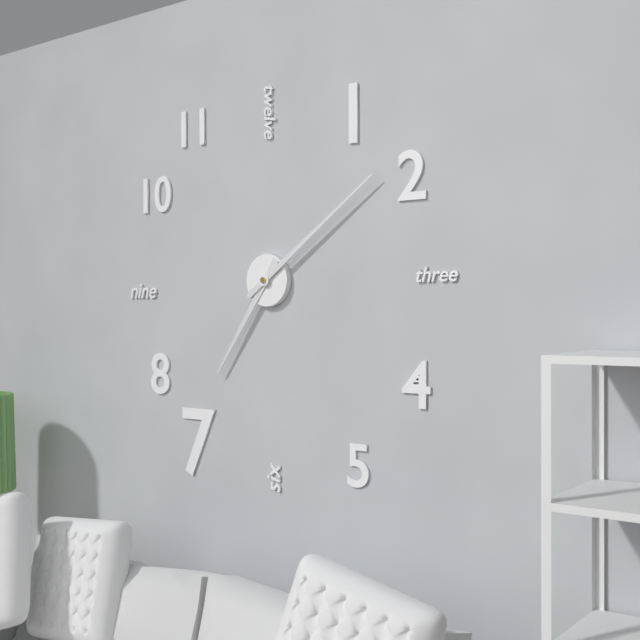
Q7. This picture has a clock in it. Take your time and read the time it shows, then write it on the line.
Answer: 7:09
